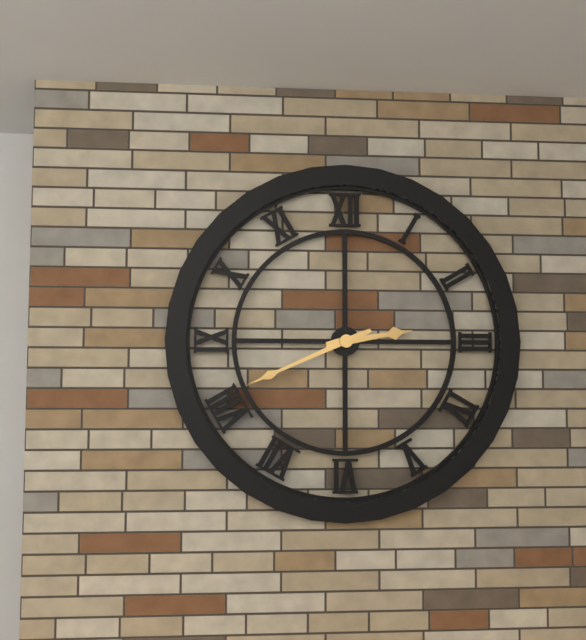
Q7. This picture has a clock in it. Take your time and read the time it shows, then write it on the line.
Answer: 2:41
